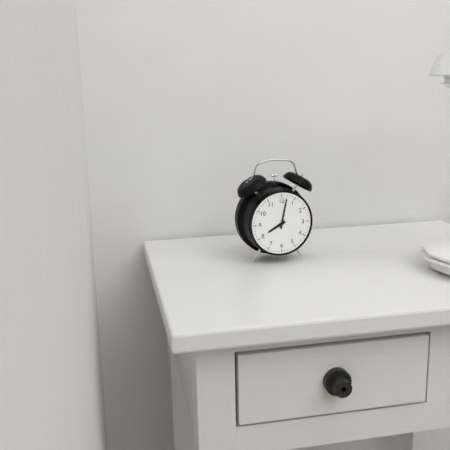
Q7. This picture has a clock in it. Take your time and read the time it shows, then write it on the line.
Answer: 8:02
